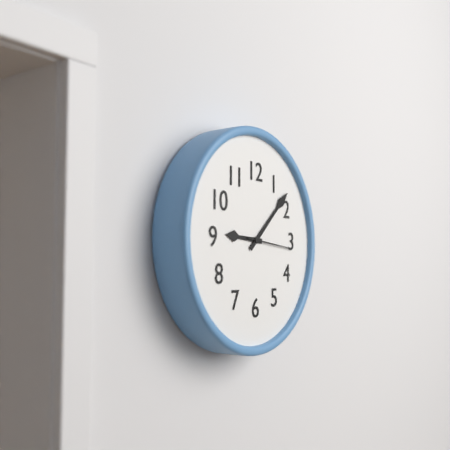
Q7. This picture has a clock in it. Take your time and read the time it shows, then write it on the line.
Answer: 9:08
